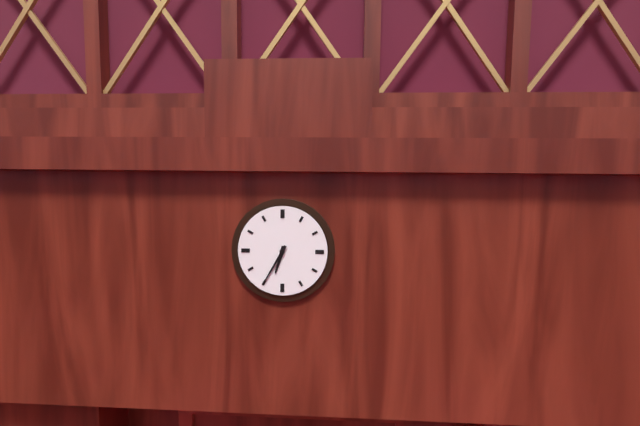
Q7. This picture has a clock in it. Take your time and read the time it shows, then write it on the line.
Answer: 6:35
